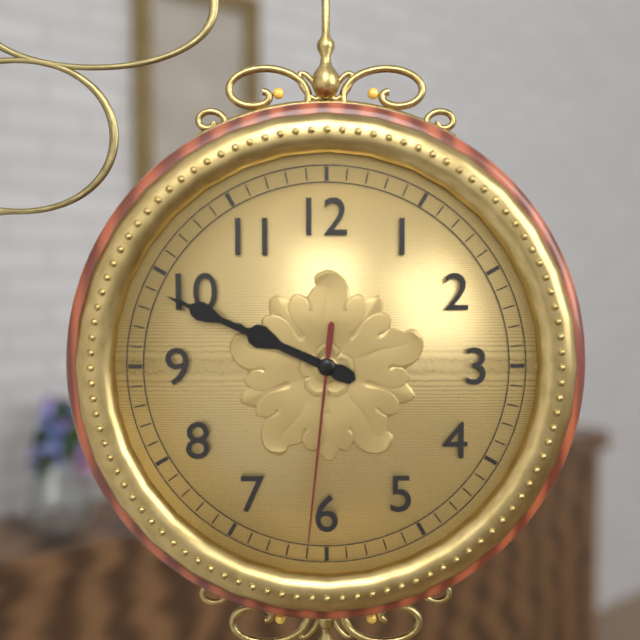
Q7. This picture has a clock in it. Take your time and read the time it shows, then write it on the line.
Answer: 9:49:31
